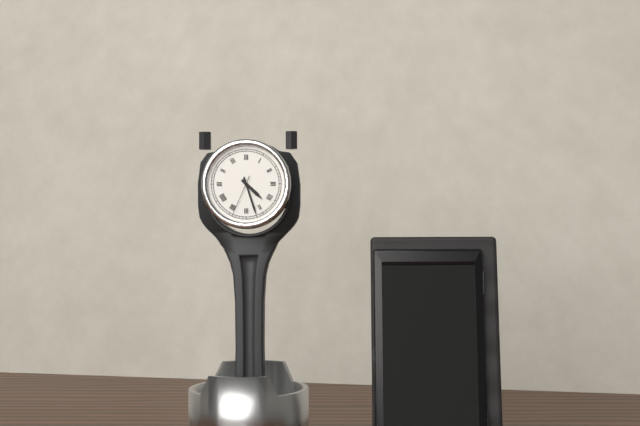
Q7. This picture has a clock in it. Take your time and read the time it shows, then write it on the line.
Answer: 4:27
